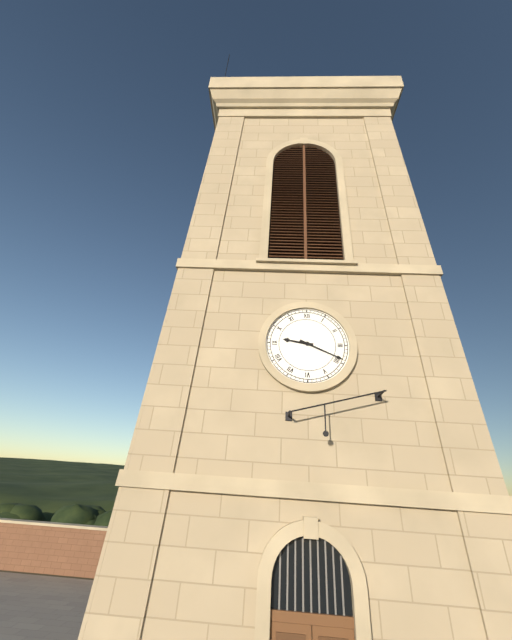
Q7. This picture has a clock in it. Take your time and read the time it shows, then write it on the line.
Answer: 9:19
